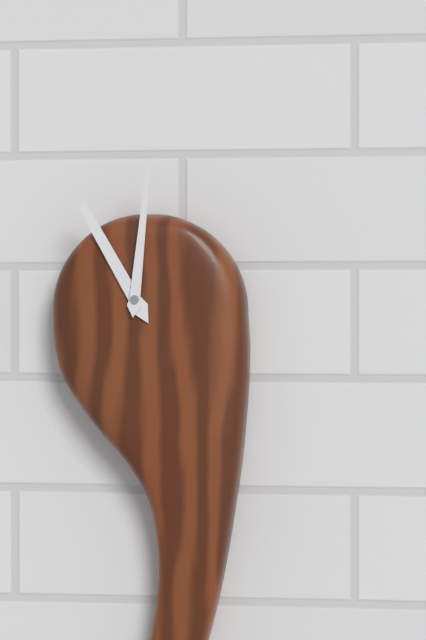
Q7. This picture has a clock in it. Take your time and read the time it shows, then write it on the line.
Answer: 11:01
